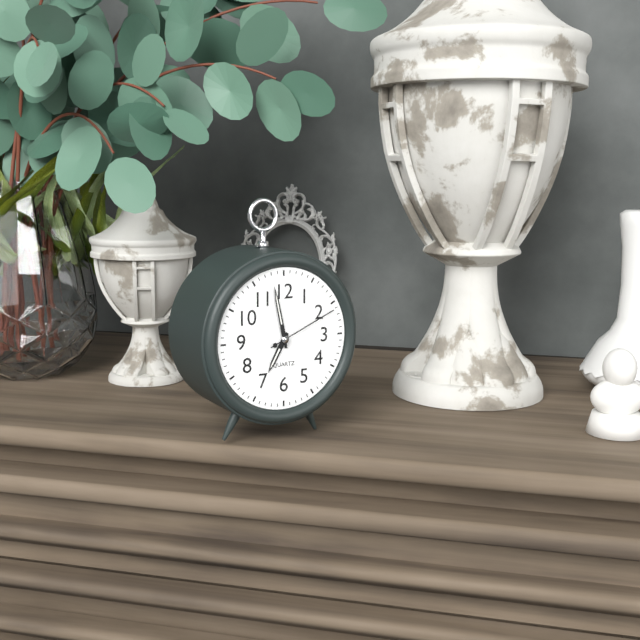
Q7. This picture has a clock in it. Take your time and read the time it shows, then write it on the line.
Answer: 6:58:11
